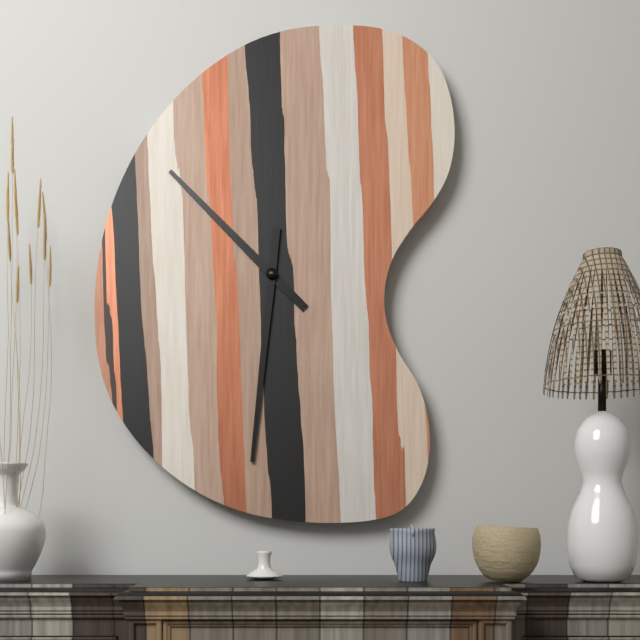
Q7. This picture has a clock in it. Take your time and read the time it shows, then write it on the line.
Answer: 10:31
